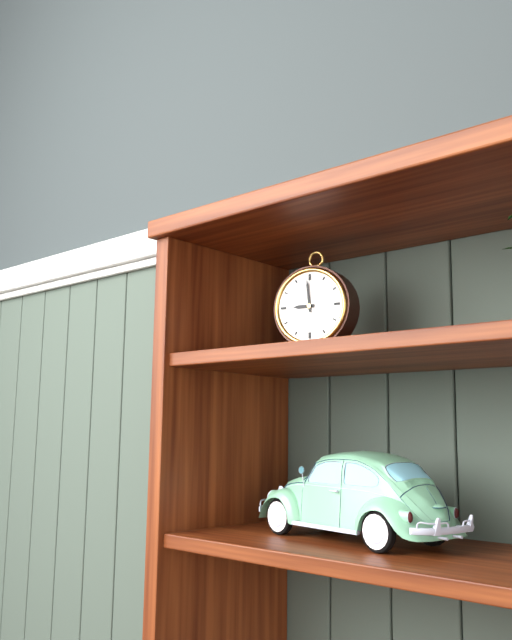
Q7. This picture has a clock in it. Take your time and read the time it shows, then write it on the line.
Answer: 8:59
